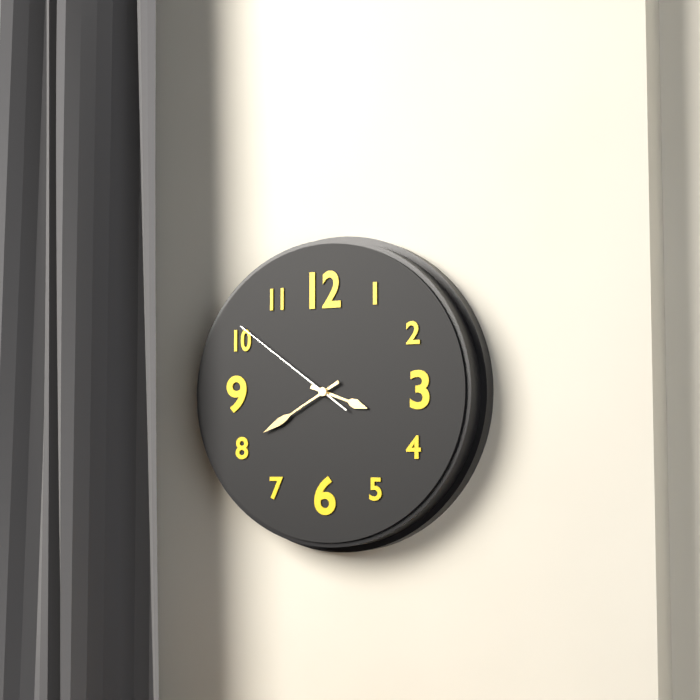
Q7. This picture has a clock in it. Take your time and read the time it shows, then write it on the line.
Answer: 3:40:51
